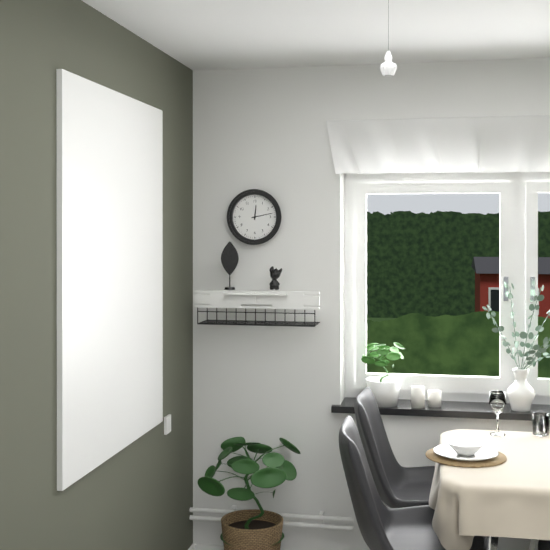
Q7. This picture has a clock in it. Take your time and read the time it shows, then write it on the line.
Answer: 12:13
